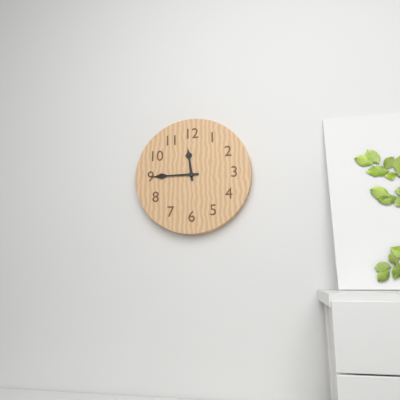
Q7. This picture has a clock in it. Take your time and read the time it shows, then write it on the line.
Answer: 11:45
